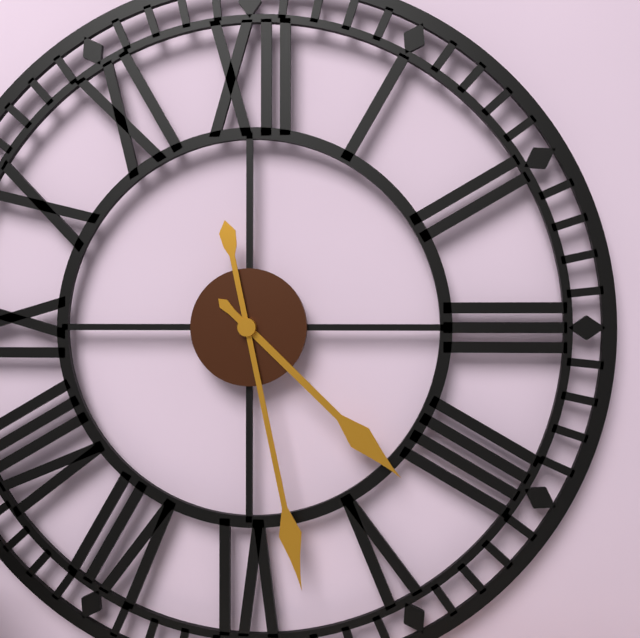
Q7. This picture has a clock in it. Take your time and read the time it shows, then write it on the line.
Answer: 4:28
